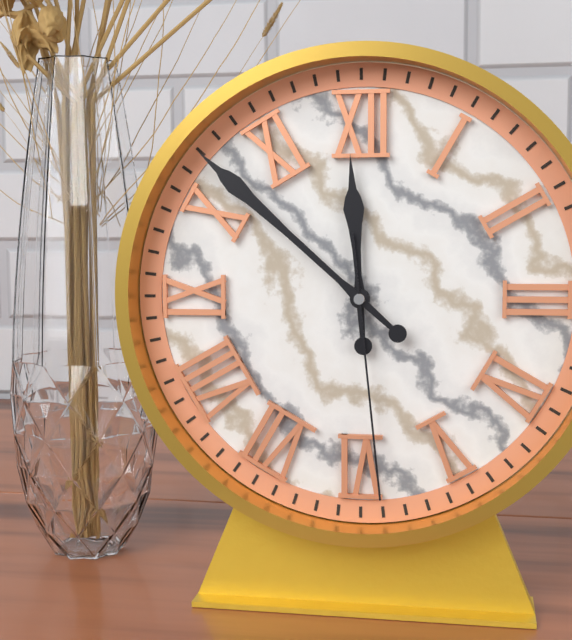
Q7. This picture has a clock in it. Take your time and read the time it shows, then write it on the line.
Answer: 11:52:29
